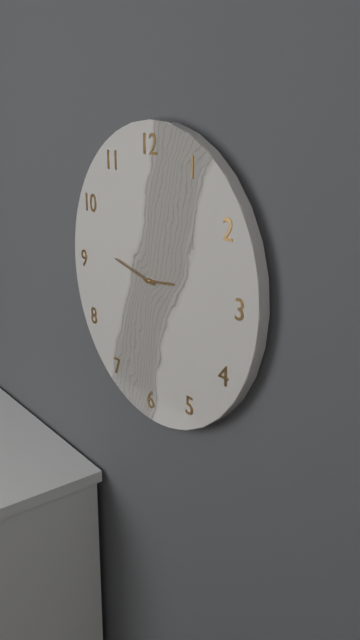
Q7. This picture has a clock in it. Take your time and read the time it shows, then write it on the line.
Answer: 2:47
